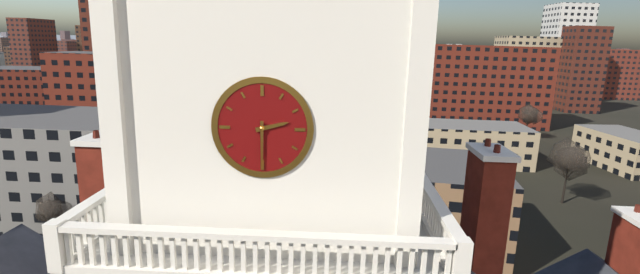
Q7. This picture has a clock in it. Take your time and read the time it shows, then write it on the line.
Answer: 2:30
